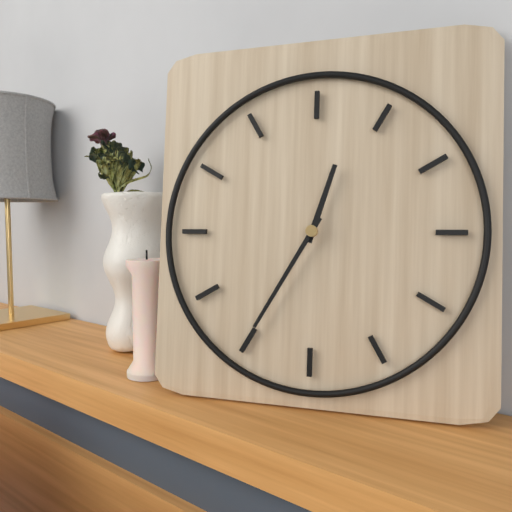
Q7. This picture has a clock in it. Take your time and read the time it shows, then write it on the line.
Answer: 12:35
